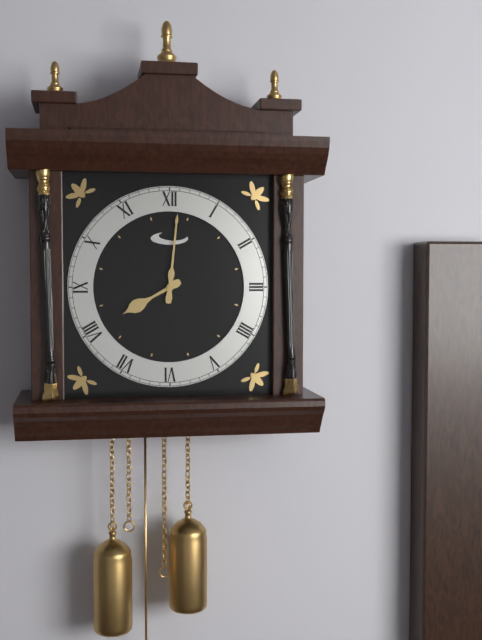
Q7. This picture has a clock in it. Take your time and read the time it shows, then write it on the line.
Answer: 8:01
